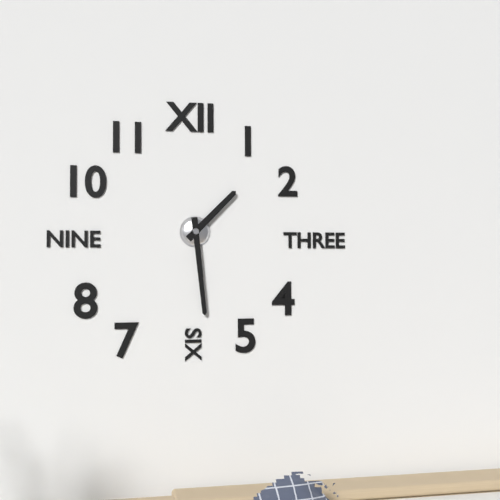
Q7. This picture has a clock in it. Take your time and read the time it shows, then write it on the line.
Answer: 1:29
